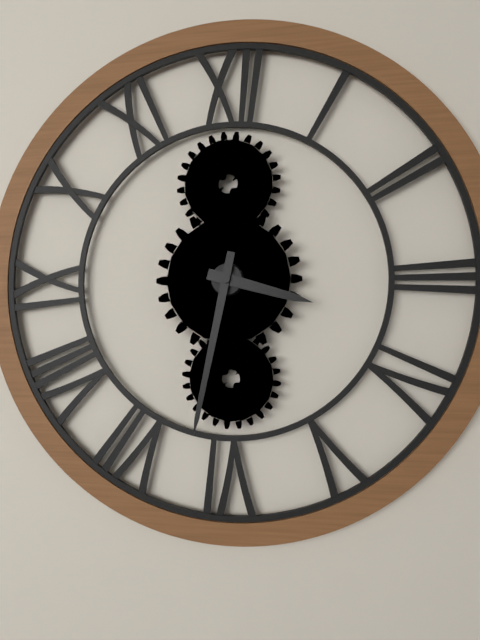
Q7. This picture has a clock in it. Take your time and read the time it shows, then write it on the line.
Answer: 3:32
